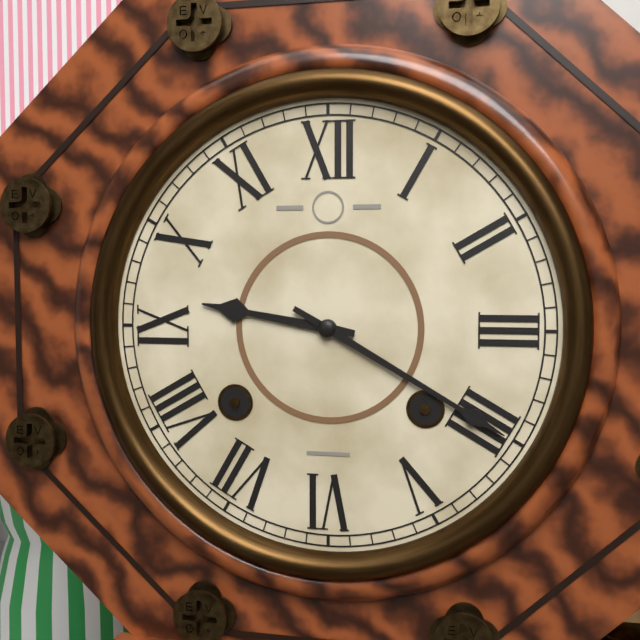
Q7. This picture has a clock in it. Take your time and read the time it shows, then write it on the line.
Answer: 9:20
